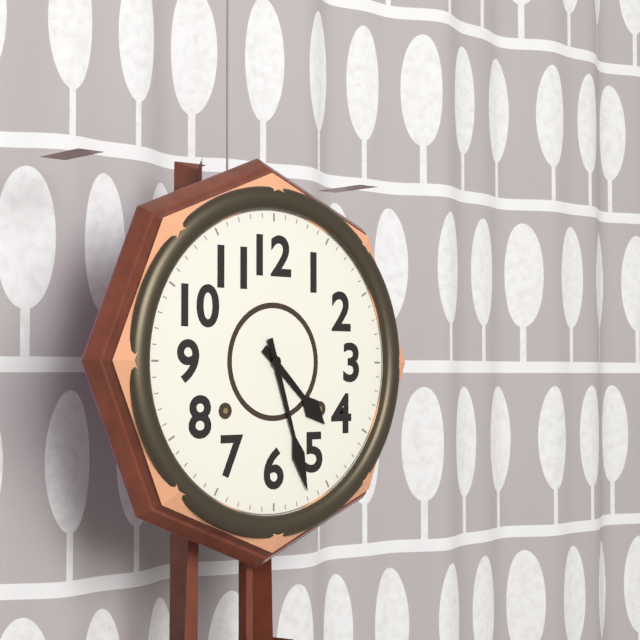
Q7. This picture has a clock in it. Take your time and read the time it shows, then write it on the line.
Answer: 4:27
